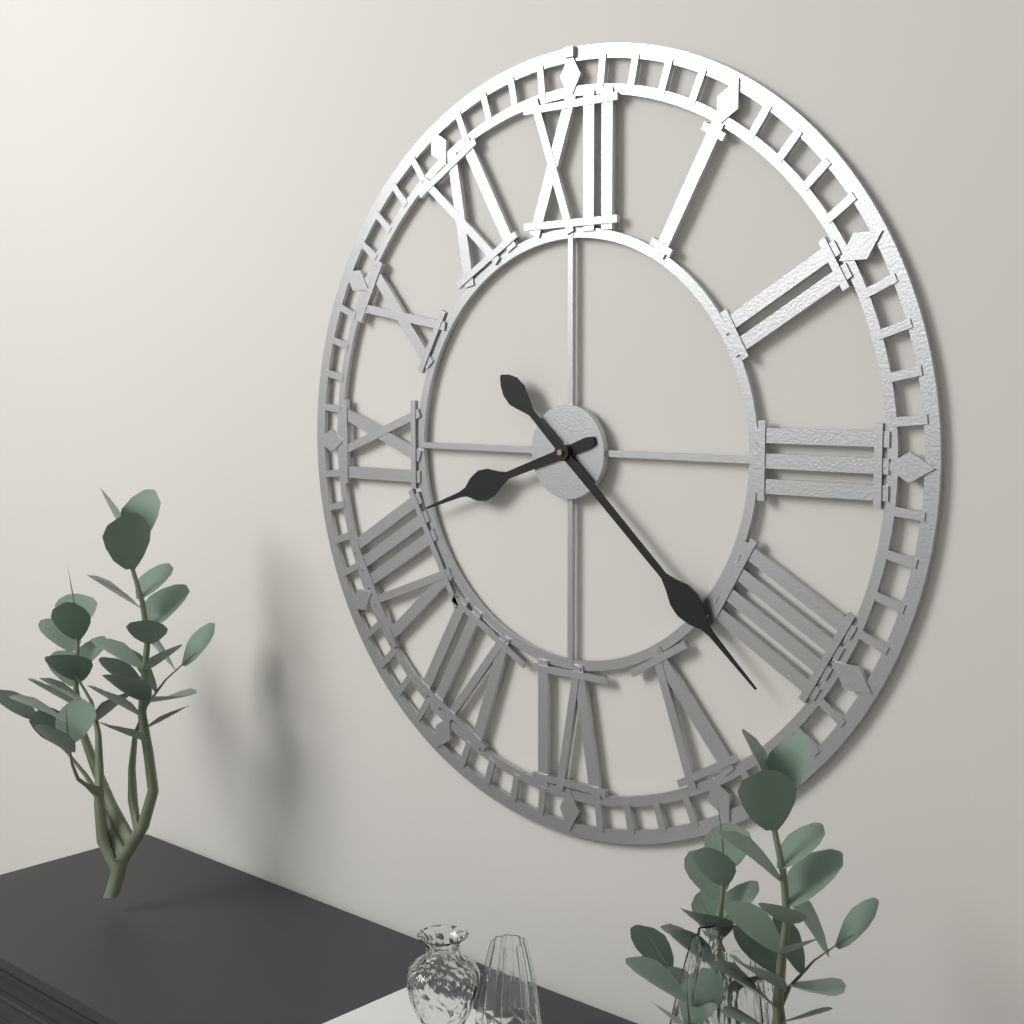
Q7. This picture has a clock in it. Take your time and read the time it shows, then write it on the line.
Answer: 8:22
